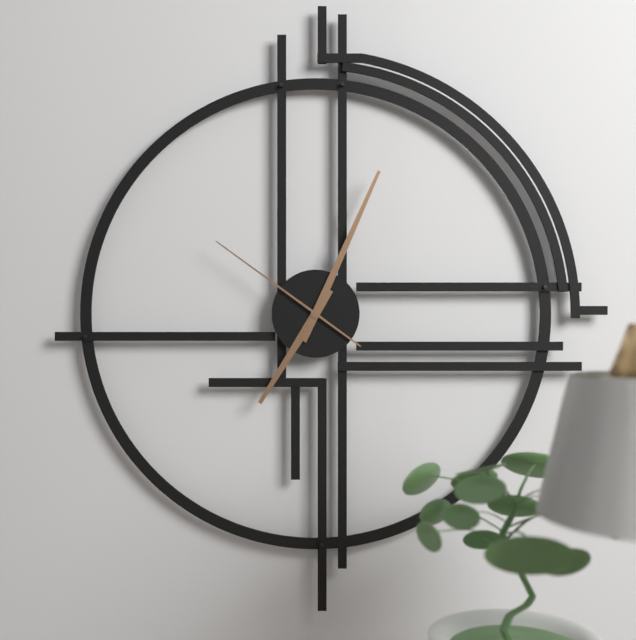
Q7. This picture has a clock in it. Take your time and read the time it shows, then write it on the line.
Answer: 7:04:51
